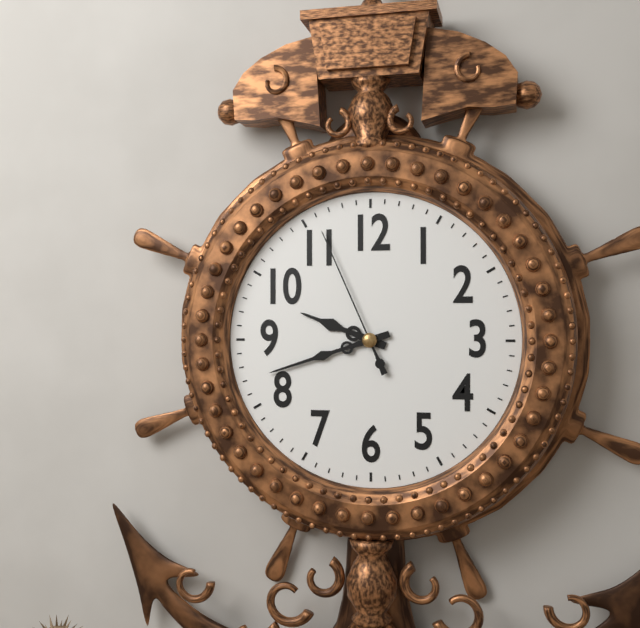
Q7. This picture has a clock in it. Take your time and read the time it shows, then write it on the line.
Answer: 9:42:56
